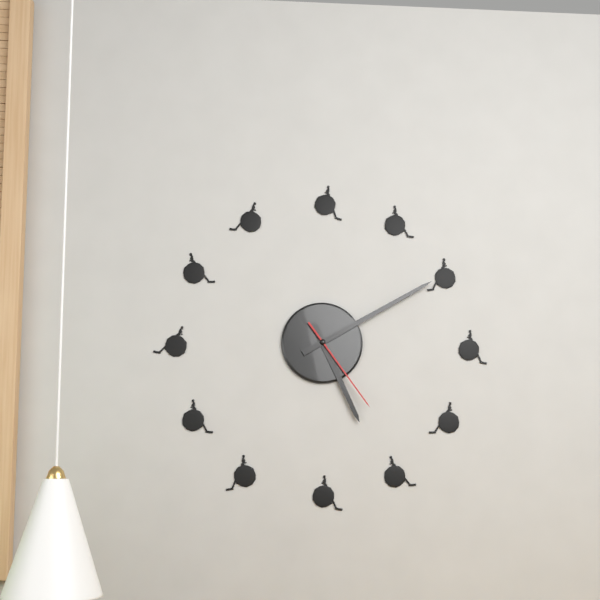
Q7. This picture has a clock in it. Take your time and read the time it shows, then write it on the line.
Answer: 5:10:24
